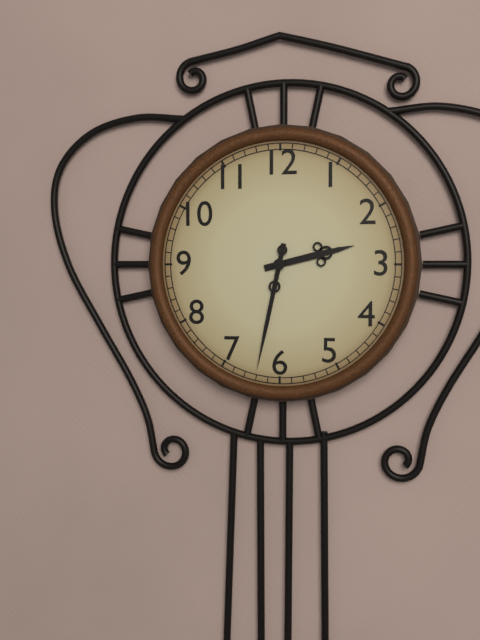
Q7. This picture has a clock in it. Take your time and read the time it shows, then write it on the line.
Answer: 2:32
